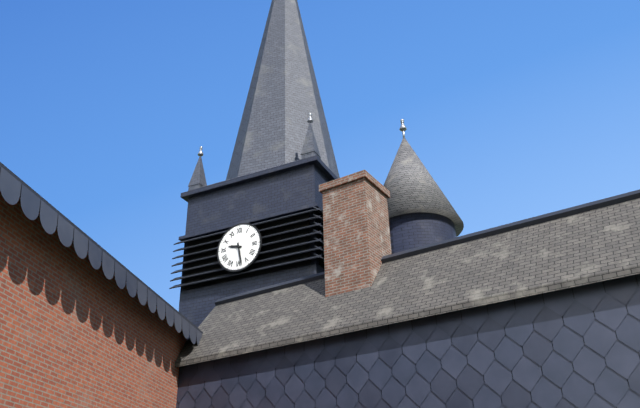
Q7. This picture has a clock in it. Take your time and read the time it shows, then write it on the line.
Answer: 9:28
